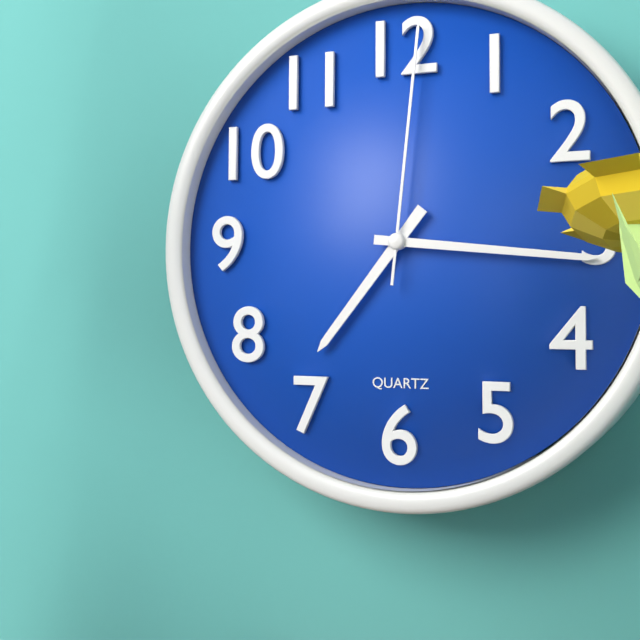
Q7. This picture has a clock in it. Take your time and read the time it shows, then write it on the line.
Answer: 7:16:01
